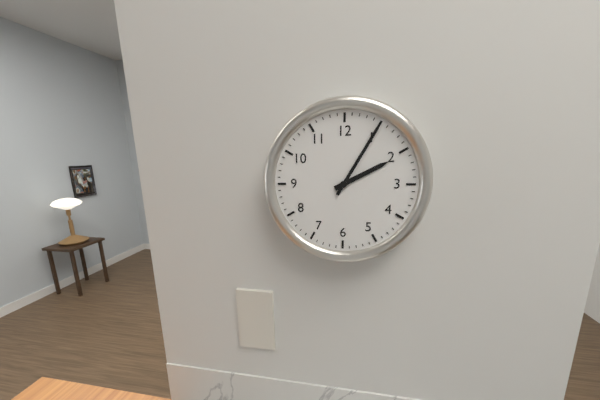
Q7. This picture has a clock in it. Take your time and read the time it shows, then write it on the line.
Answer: 2:05
